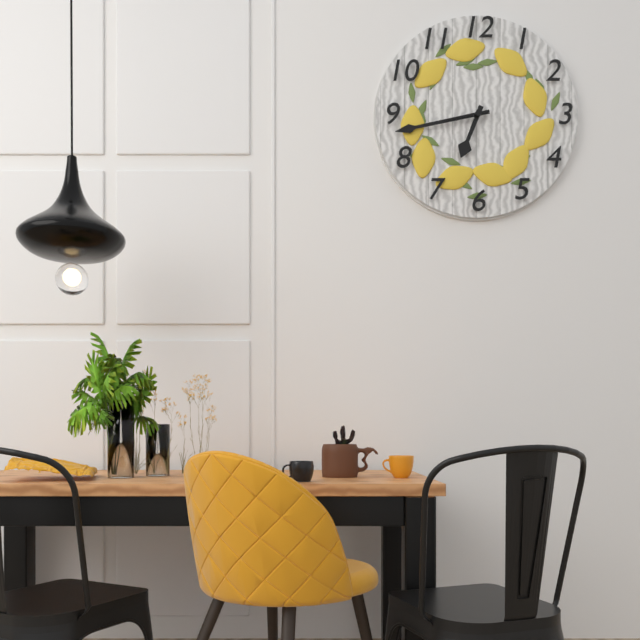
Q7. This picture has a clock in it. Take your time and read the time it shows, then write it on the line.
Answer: 6:43
